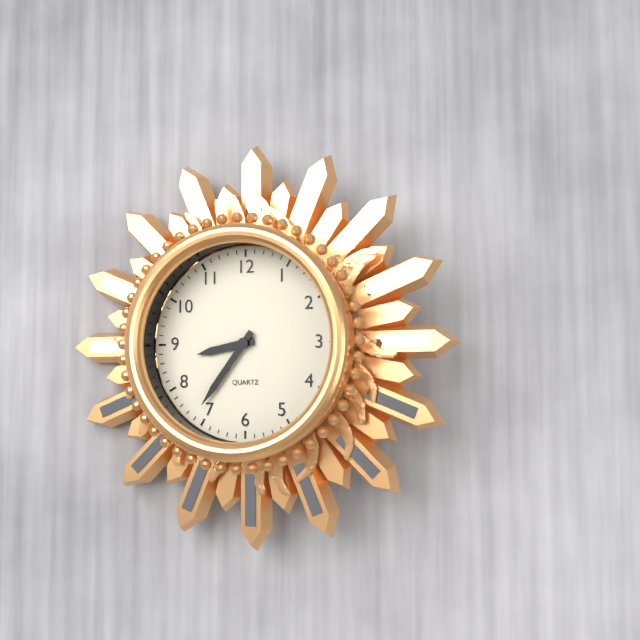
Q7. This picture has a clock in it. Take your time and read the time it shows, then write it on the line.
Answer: 8:36
